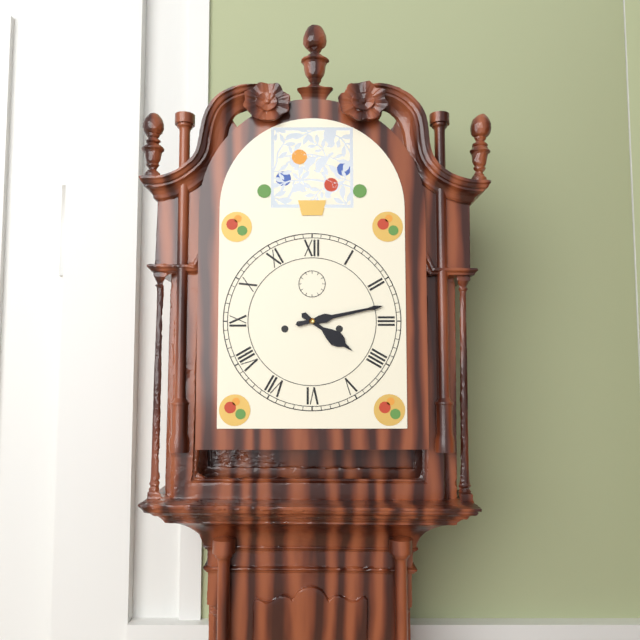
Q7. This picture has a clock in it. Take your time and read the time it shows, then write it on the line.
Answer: 4:13
